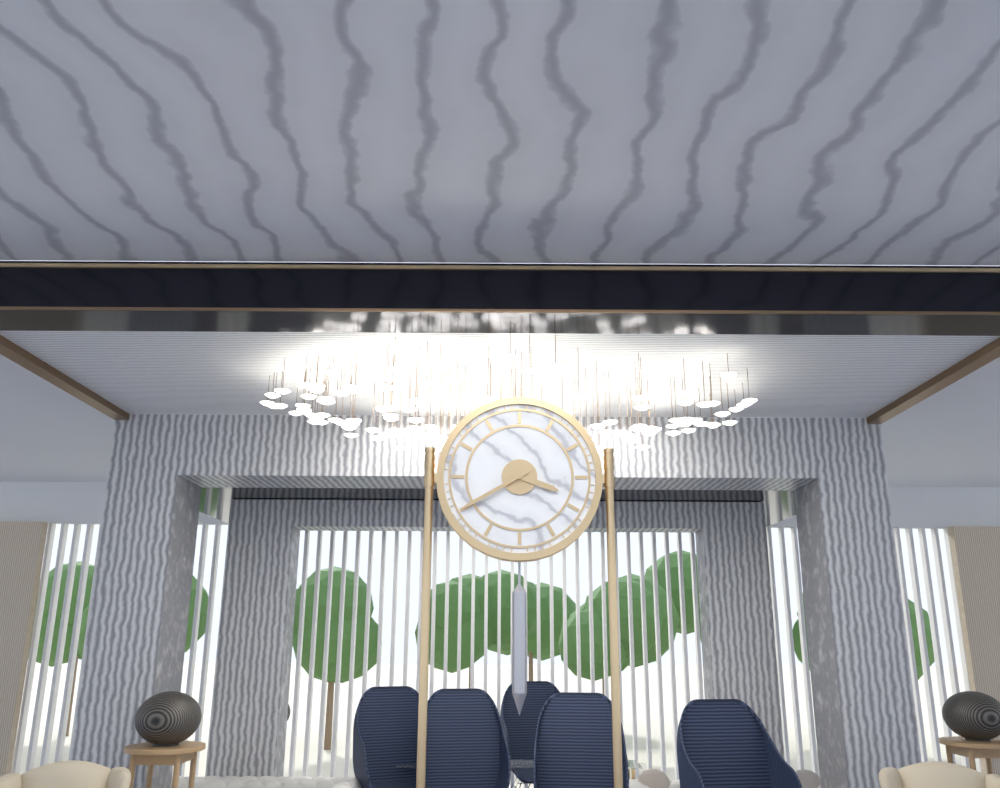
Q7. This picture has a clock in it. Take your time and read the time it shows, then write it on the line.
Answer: 3:40
